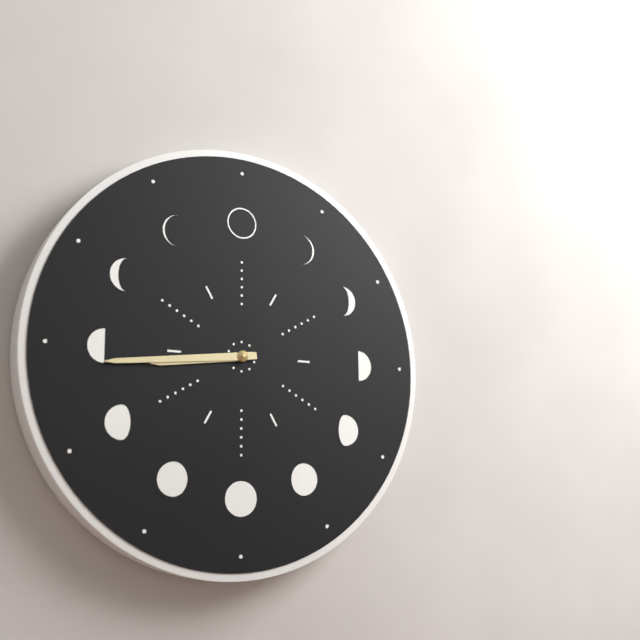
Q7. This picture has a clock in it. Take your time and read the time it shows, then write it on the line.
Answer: 8:44
